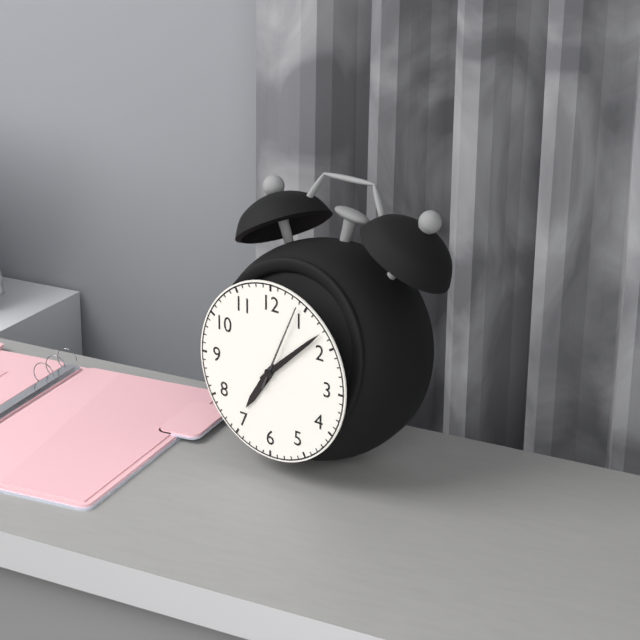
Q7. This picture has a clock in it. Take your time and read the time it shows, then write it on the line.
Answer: 7:08:04
